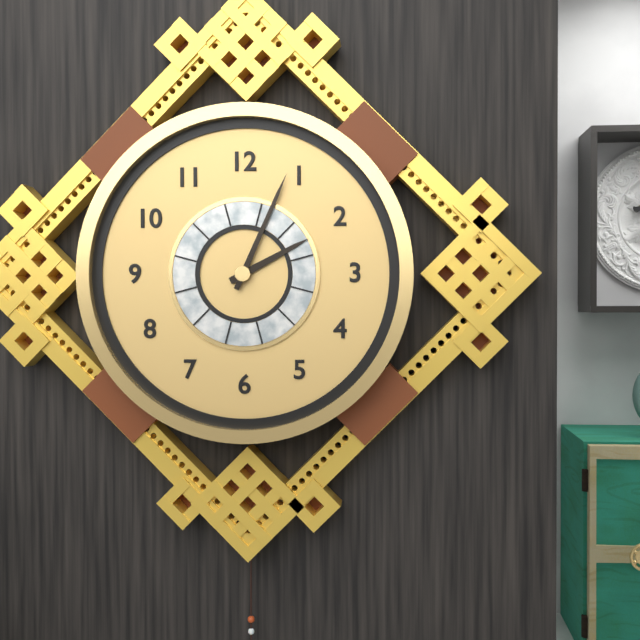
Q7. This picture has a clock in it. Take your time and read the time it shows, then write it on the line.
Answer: 2:04
